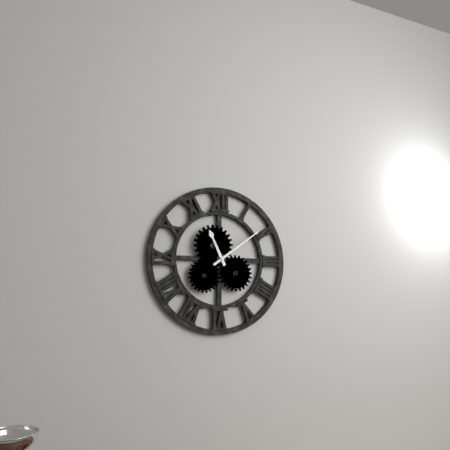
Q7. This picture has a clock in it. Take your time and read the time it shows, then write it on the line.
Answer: 11:09
